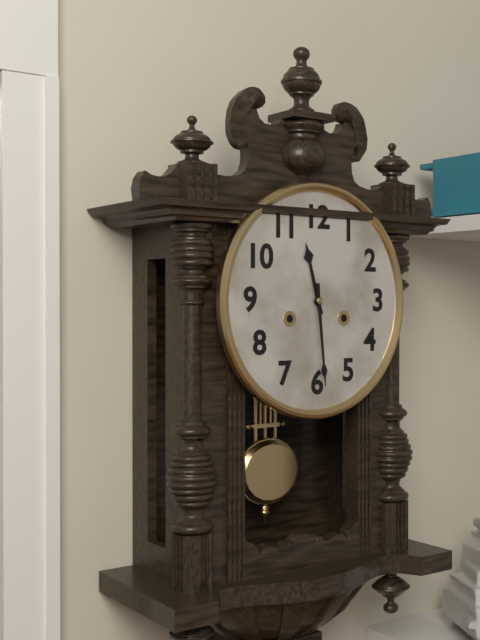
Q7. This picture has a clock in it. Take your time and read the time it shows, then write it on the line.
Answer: 11:29
